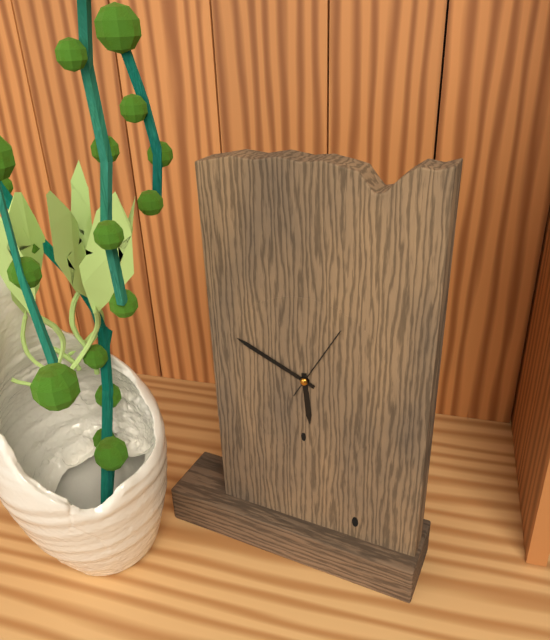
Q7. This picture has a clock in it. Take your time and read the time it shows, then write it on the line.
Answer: 5:49:05
